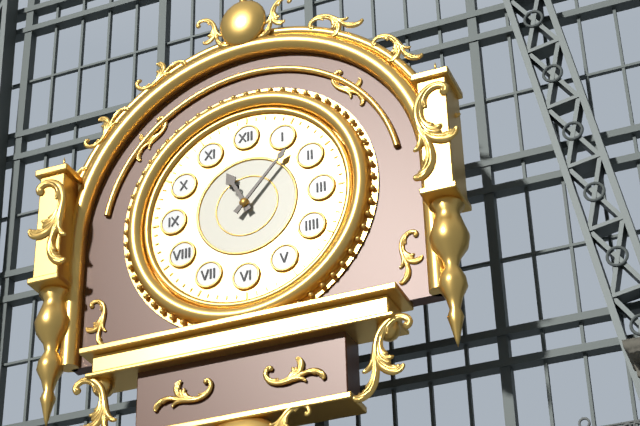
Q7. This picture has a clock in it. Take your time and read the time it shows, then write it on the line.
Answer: 11:07
